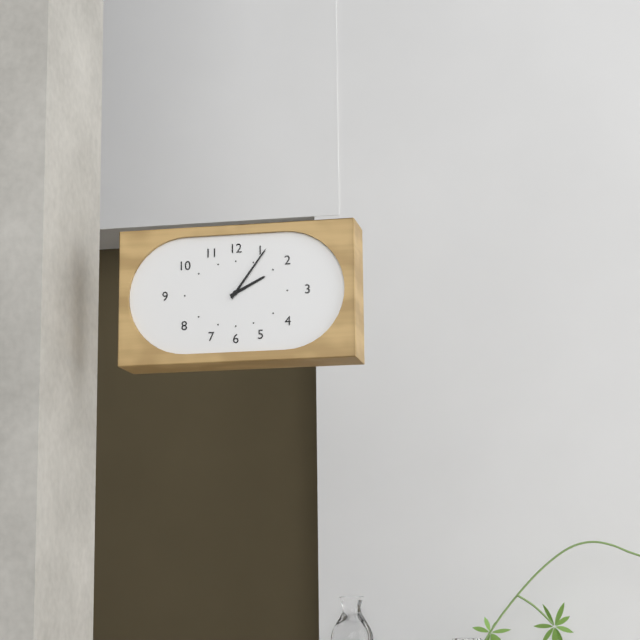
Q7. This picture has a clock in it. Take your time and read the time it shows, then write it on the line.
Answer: 2:06
